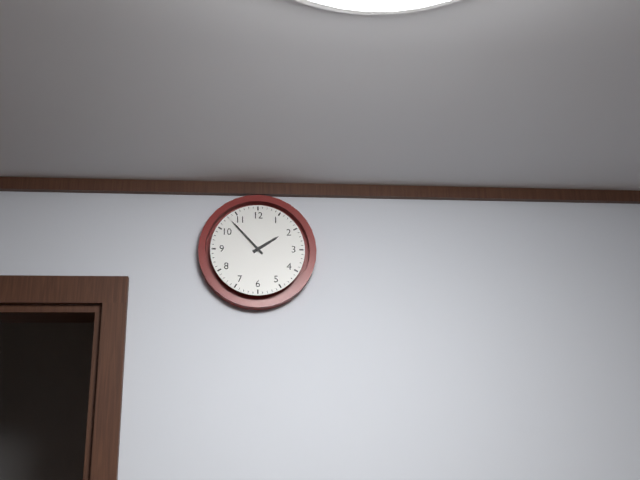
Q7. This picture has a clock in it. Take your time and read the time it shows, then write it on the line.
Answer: 1:53
